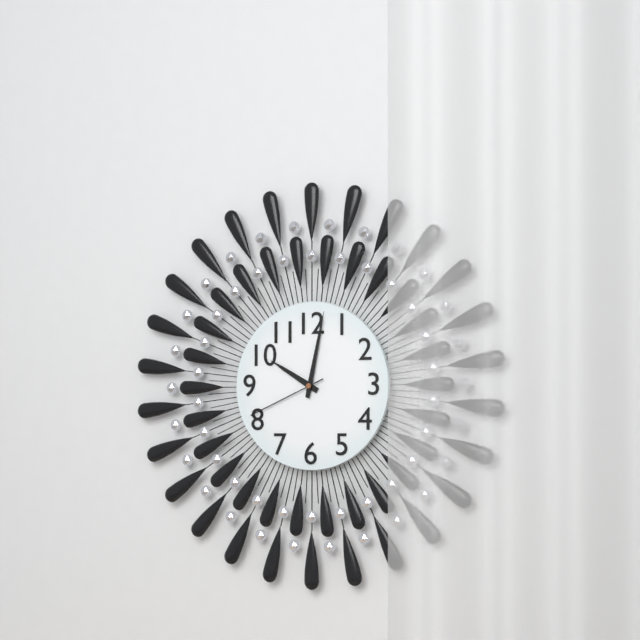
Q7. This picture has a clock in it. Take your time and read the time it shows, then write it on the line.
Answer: 10:02:41
